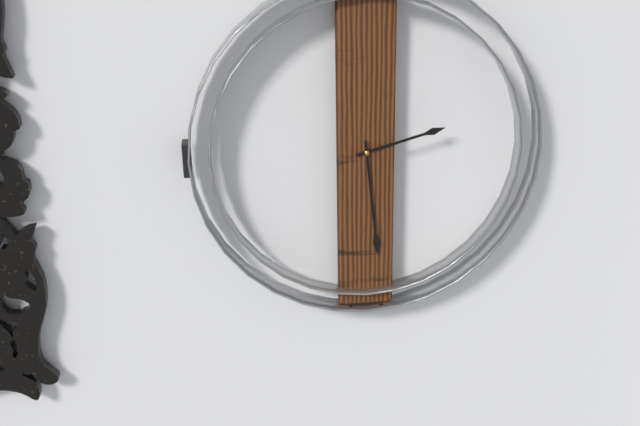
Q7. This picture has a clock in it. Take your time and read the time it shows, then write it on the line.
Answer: 2:29
